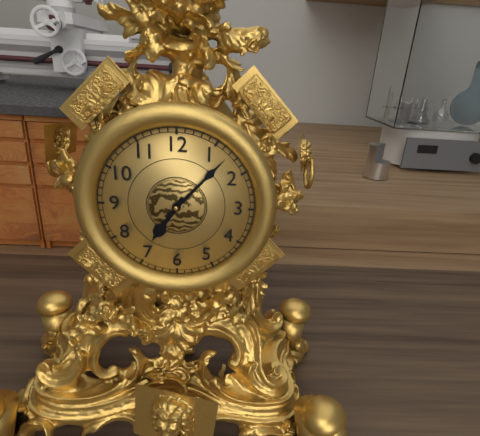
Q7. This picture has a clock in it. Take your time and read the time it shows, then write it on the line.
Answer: 7:07
